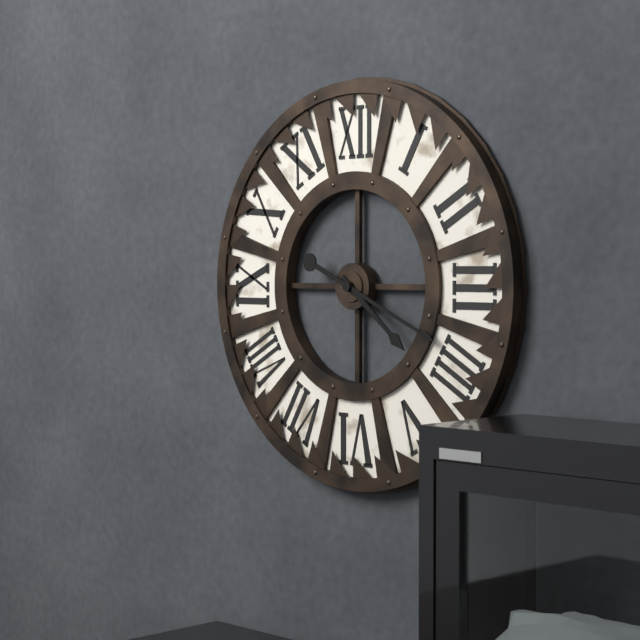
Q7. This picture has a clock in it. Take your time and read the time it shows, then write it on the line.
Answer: 4:19
